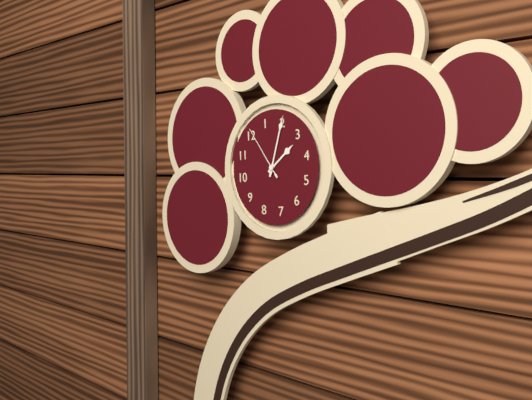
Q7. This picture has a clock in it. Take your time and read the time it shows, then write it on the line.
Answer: 3:10:01
